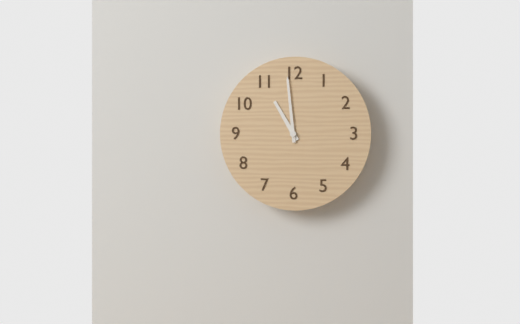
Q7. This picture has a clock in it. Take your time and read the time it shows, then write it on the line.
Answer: 10:59
